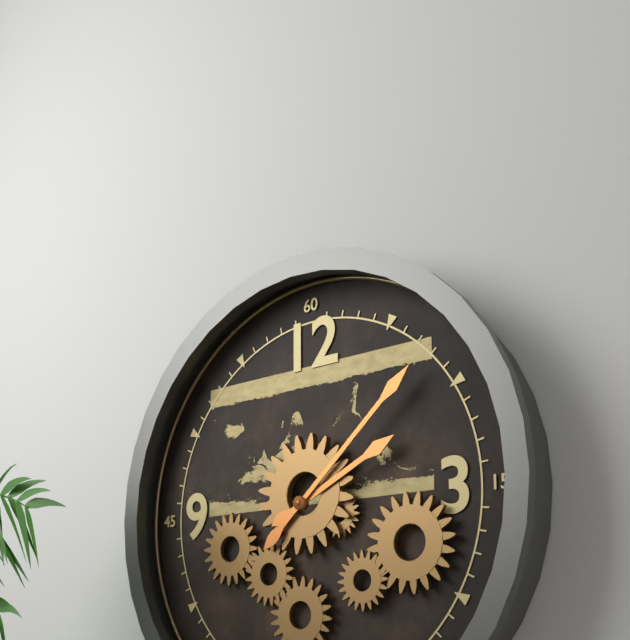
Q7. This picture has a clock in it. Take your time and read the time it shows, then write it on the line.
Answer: 2:08
